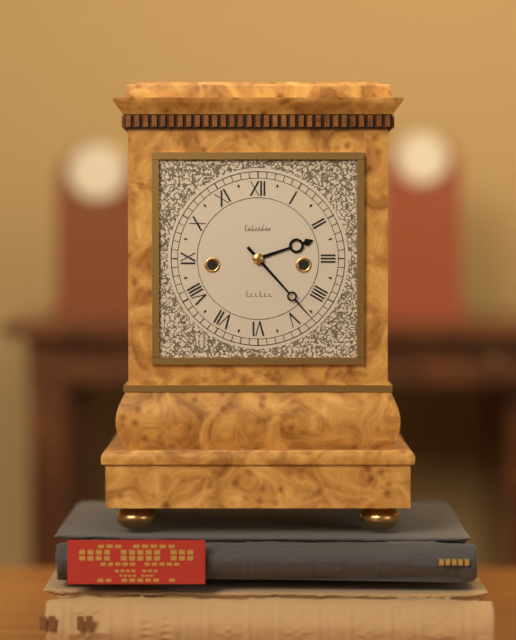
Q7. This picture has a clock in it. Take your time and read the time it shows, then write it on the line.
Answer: 2:23
